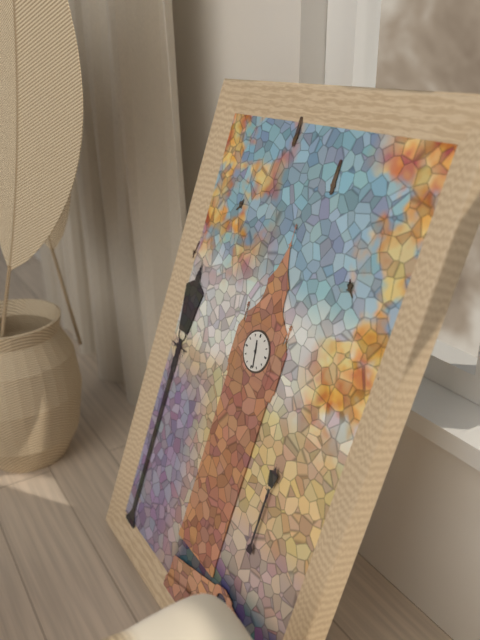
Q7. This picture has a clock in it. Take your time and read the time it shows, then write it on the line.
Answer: 11:28
